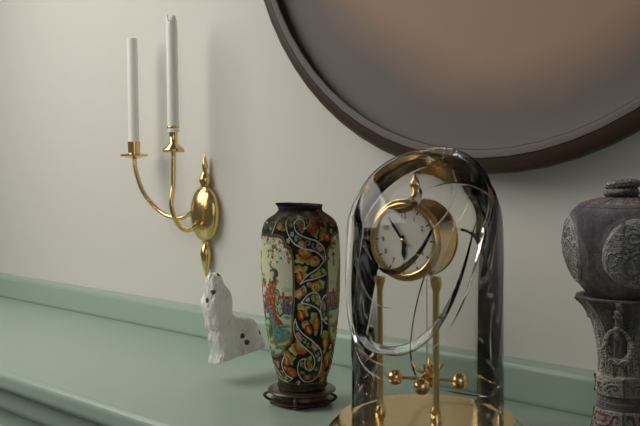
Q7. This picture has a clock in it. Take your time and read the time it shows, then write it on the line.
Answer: 5:54
